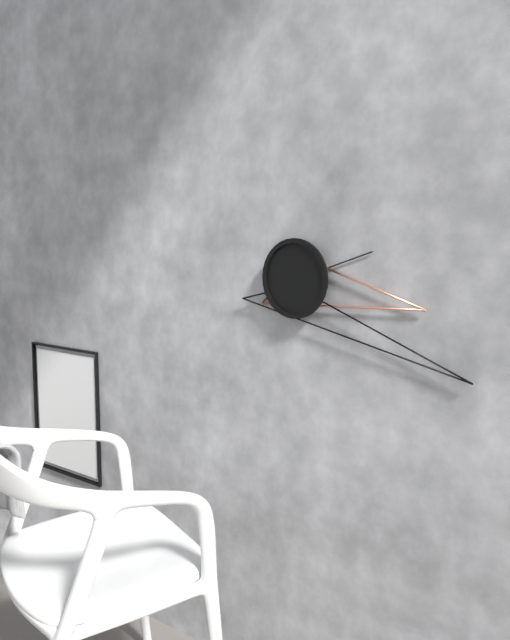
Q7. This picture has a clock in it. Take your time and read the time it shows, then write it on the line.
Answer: 3:19:12
